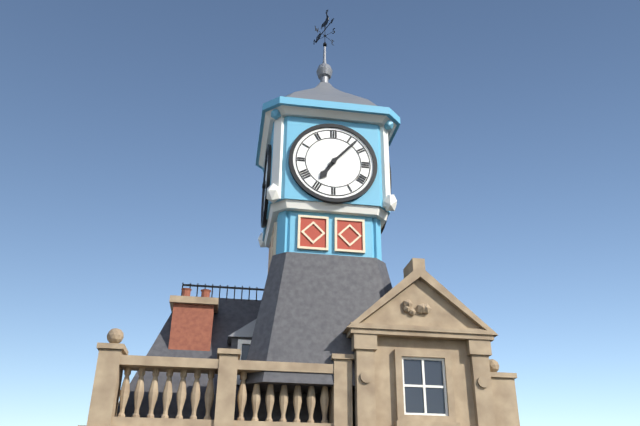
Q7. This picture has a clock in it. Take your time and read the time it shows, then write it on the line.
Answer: 7:07
